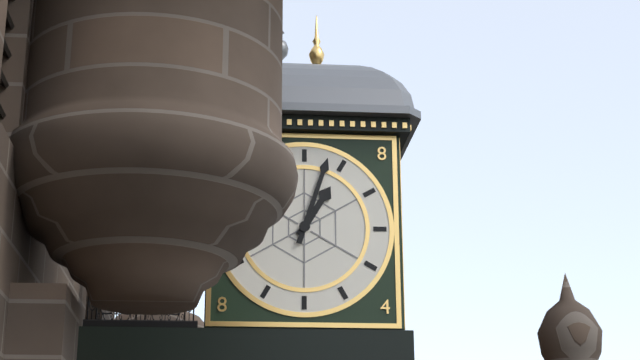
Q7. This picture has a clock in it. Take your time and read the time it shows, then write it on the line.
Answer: 1:03
